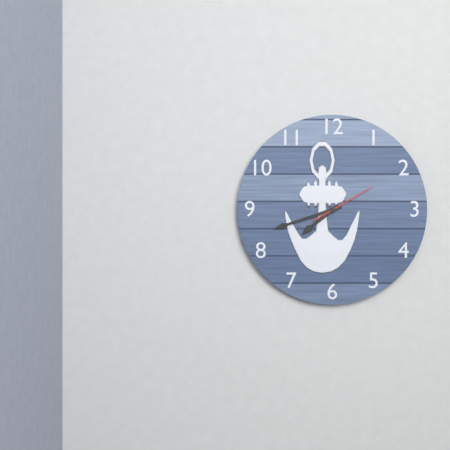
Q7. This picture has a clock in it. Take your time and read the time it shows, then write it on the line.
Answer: 7:42:10
